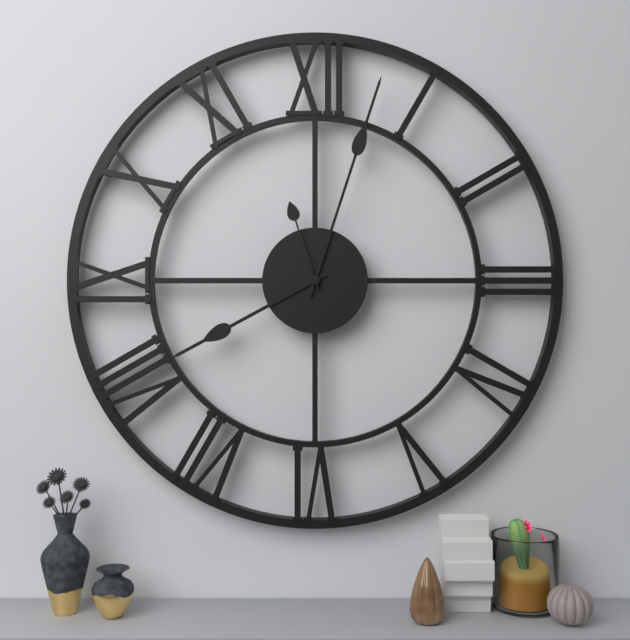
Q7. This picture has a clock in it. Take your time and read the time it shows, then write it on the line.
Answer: 8:03:57
